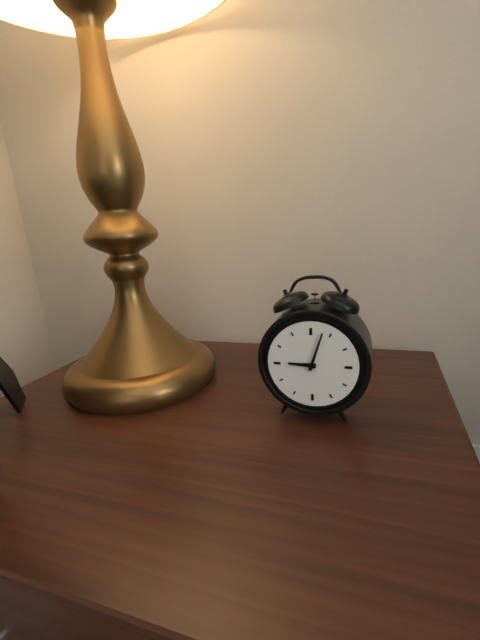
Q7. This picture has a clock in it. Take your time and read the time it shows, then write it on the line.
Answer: 9:03
